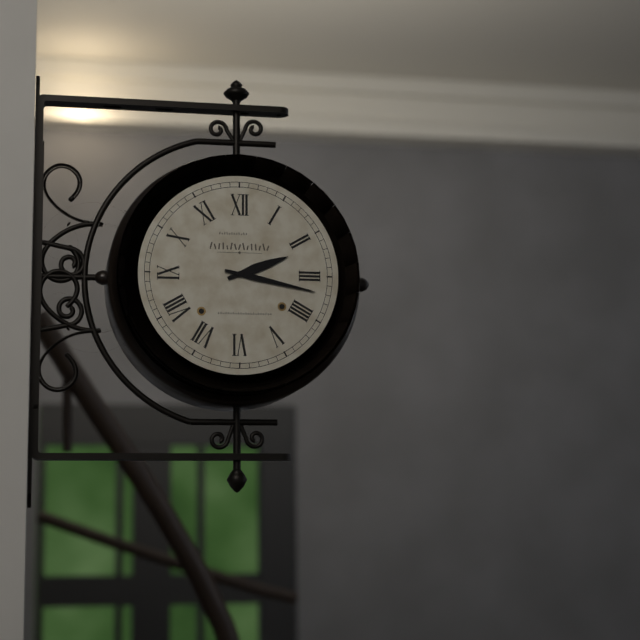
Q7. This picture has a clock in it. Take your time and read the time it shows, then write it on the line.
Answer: 2:17
